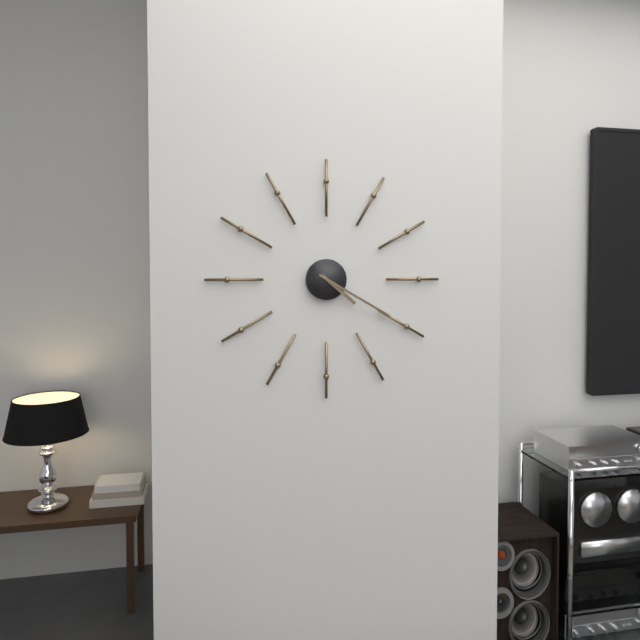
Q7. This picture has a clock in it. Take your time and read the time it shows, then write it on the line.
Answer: 4:20
